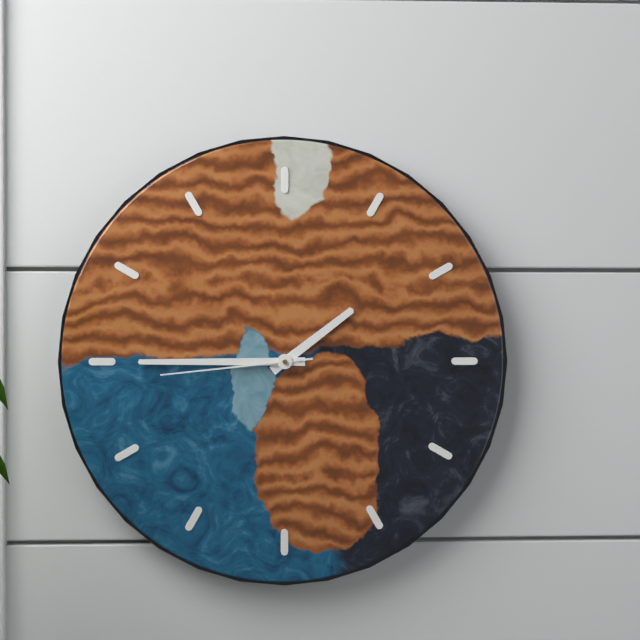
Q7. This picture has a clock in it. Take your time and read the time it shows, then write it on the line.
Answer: 1:45:44
